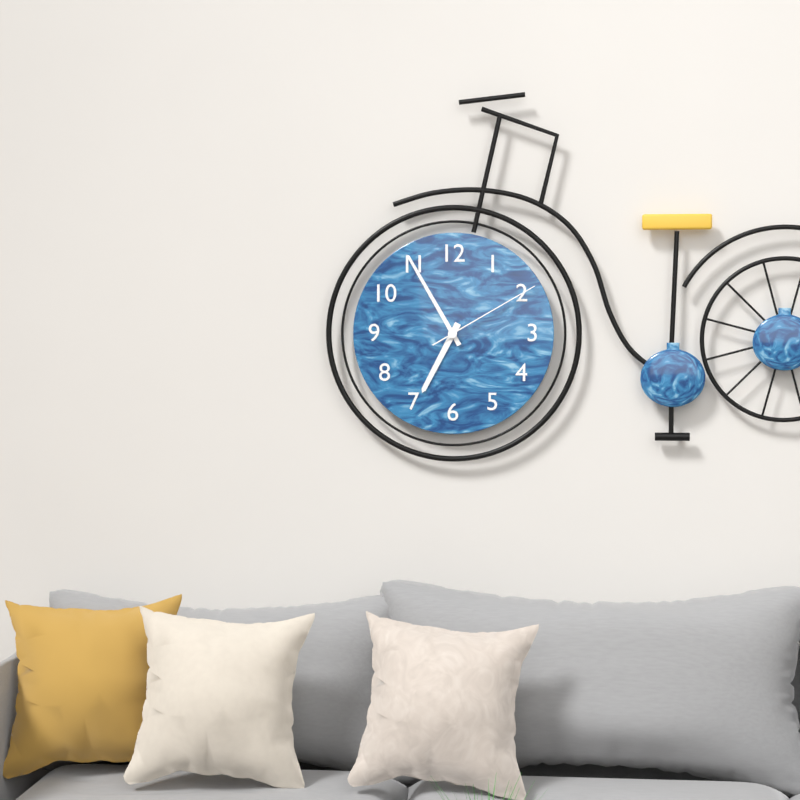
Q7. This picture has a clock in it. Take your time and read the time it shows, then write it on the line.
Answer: 6:55:10
